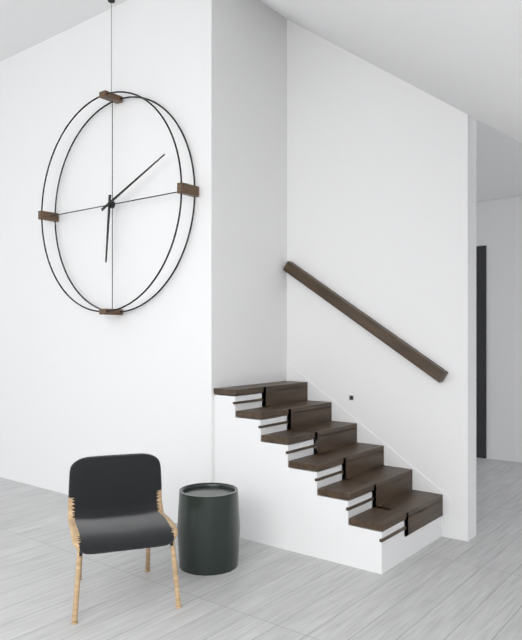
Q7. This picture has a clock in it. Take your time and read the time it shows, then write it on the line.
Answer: 6:11
